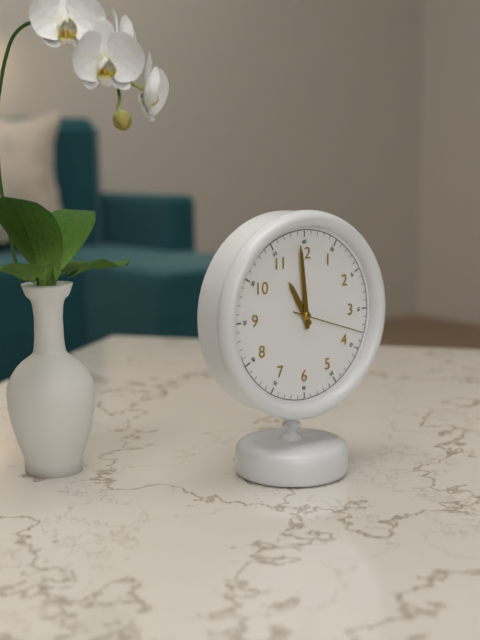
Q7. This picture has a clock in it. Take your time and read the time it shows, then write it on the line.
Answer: 10:59:18
